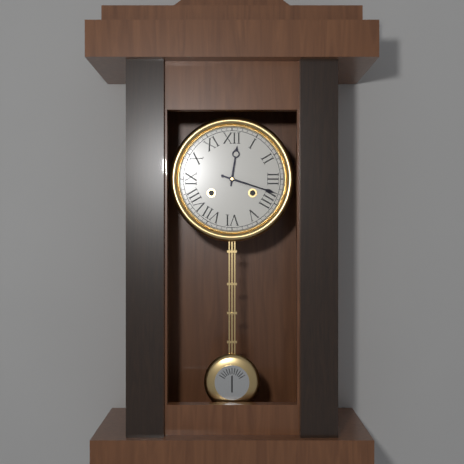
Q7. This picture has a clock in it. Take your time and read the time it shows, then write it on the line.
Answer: 12:18
